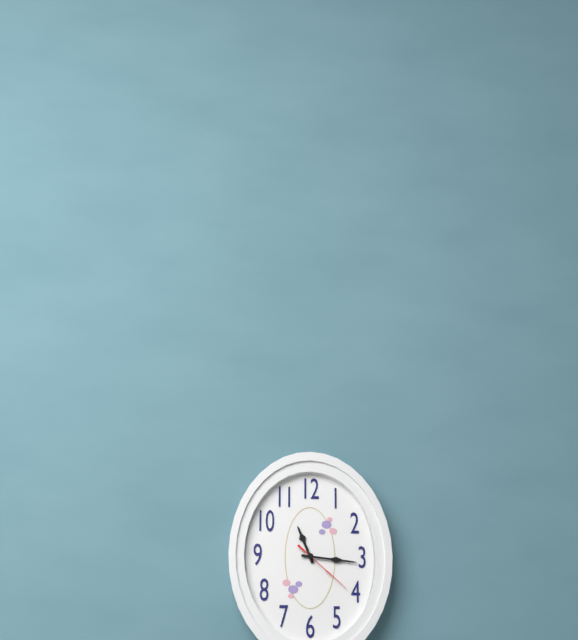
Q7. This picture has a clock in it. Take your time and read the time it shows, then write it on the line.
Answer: 11:16:22
